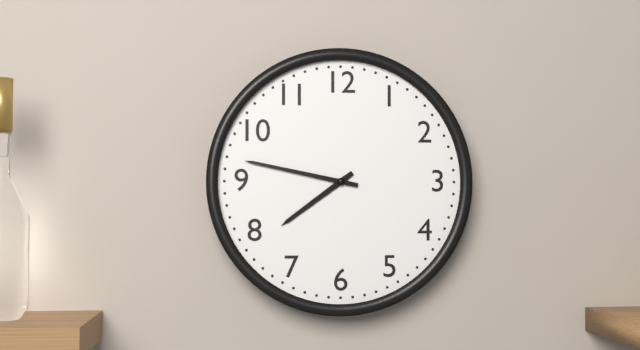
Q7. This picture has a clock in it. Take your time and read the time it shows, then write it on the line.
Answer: 7:47
